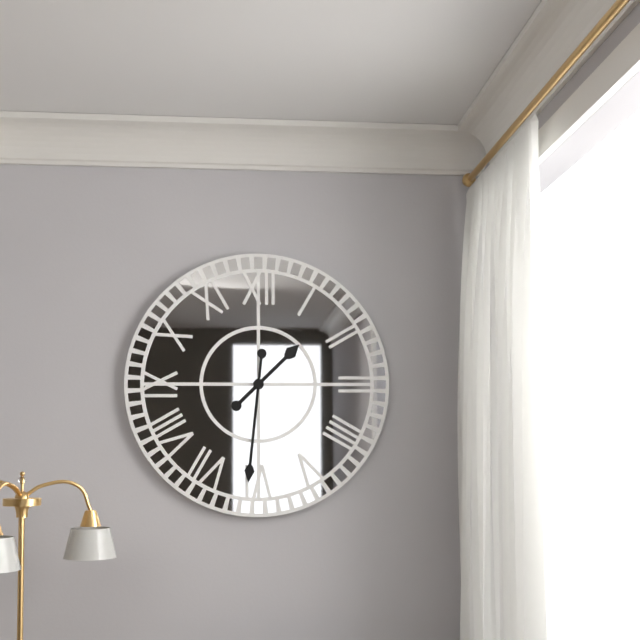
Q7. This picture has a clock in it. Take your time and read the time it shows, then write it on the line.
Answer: 1:31
